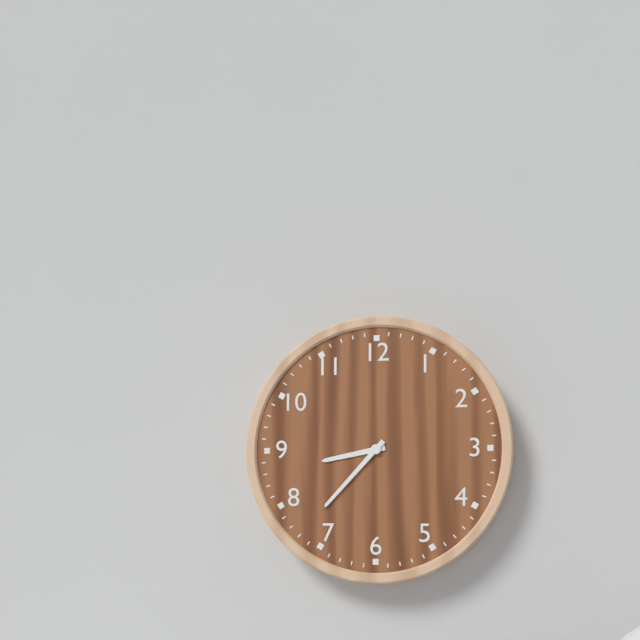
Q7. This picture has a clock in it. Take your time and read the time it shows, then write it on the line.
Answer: 8:37
